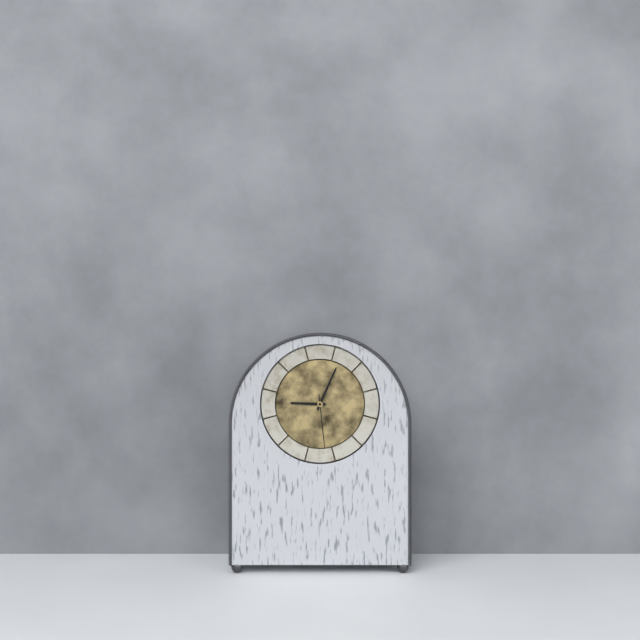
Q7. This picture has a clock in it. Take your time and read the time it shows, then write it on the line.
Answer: 9:04:29
